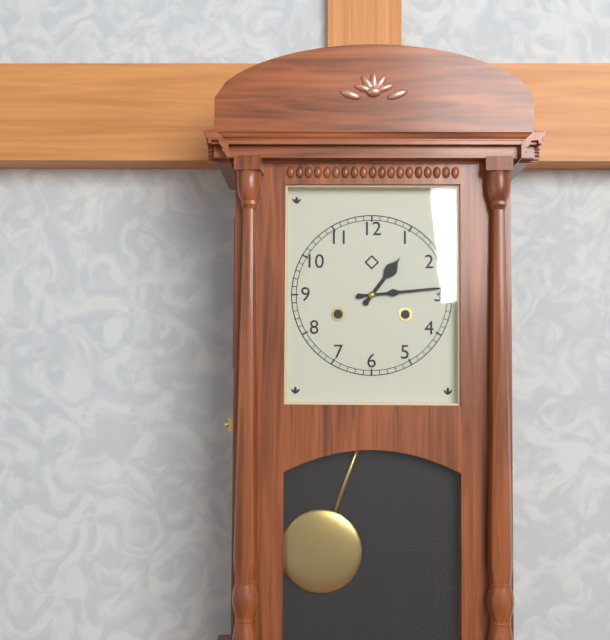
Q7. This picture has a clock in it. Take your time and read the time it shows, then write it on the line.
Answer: 1:14
